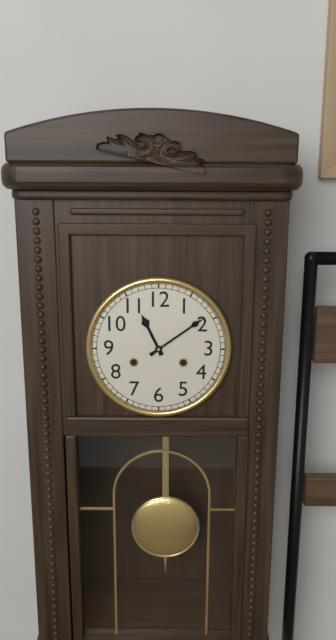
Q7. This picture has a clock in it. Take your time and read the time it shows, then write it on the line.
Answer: 11:09
